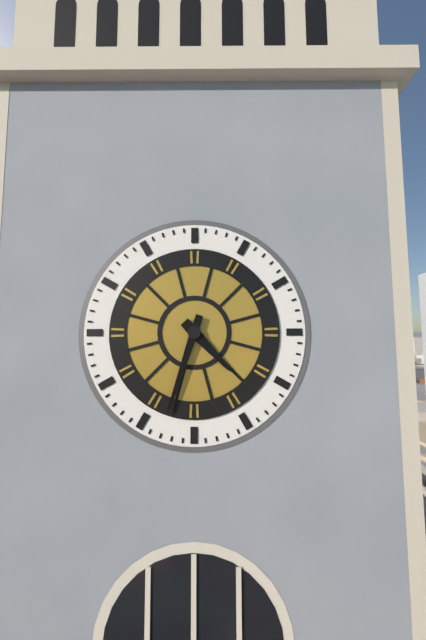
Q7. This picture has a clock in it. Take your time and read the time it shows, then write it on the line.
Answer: 4:33
